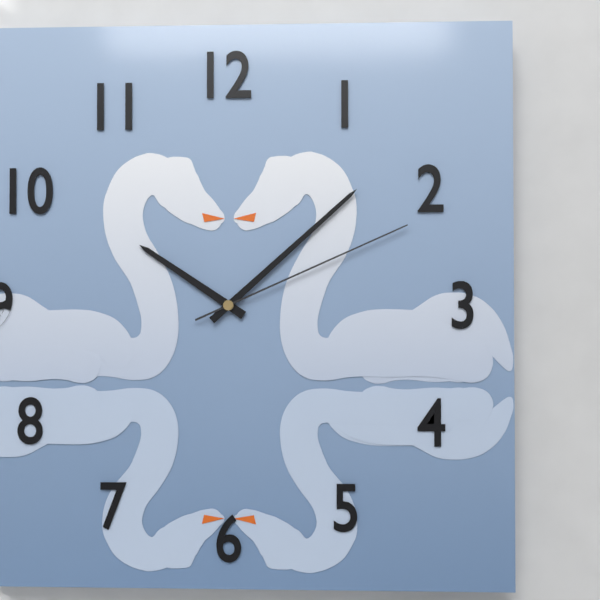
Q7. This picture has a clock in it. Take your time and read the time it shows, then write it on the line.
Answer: 10:08:11
